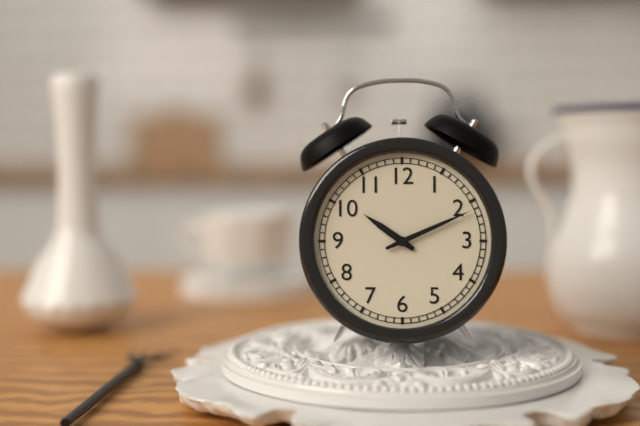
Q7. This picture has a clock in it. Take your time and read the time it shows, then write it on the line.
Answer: 10:11
